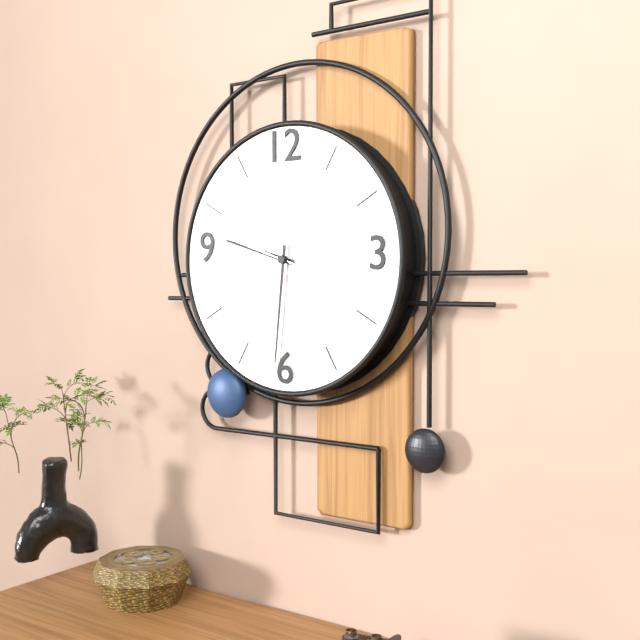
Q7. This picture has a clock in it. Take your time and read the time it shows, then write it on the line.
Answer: 9:31:48
